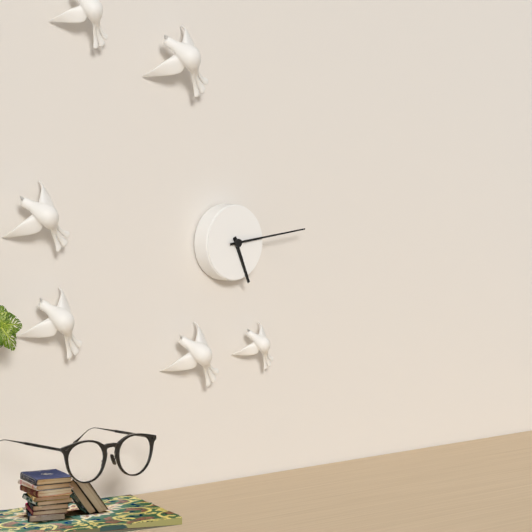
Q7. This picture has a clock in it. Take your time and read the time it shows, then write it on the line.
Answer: 5:14
